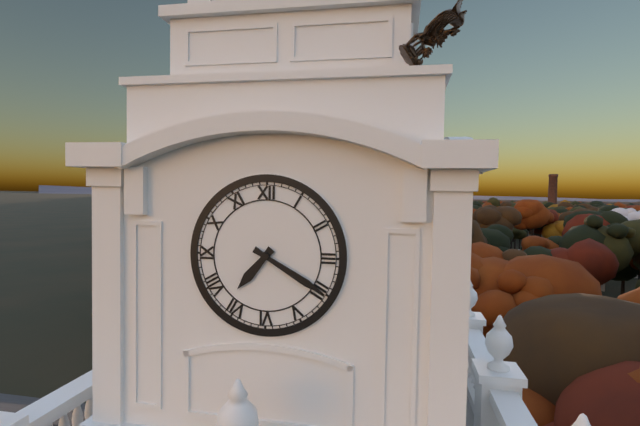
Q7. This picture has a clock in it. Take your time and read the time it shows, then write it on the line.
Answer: 7:20
